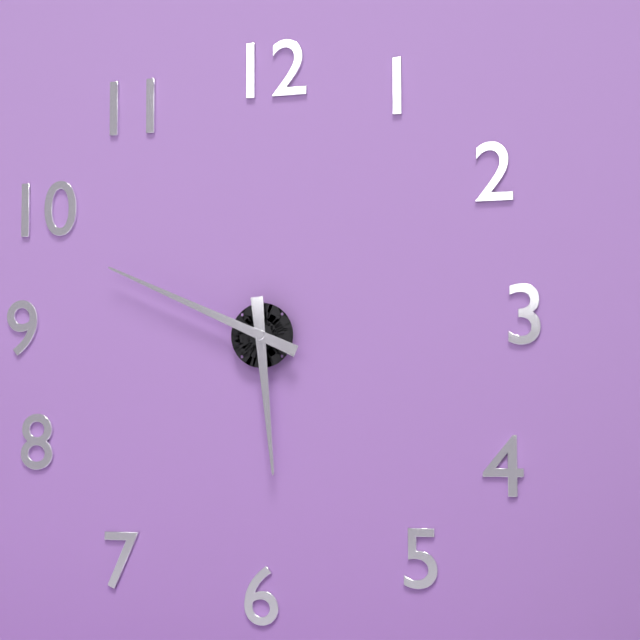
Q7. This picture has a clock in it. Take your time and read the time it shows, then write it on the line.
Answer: 5:49
